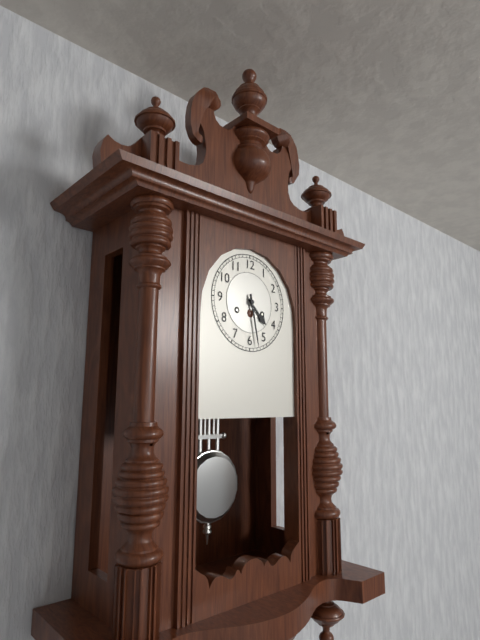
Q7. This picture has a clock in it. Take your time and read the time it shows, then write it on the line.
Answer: 4:28
